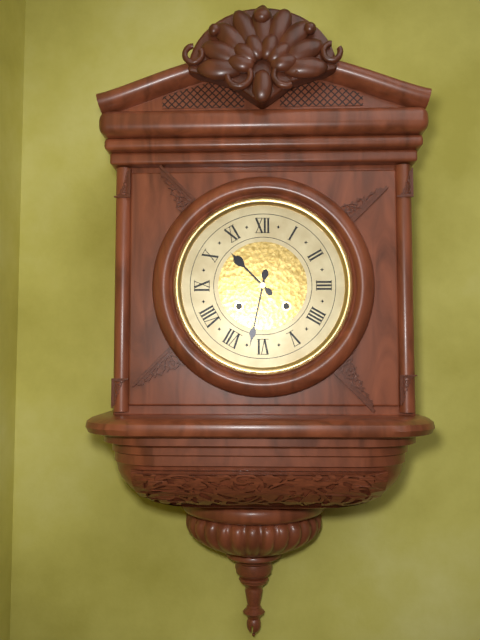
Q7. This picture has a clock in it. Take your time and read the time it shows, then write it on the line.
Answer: 10:32
